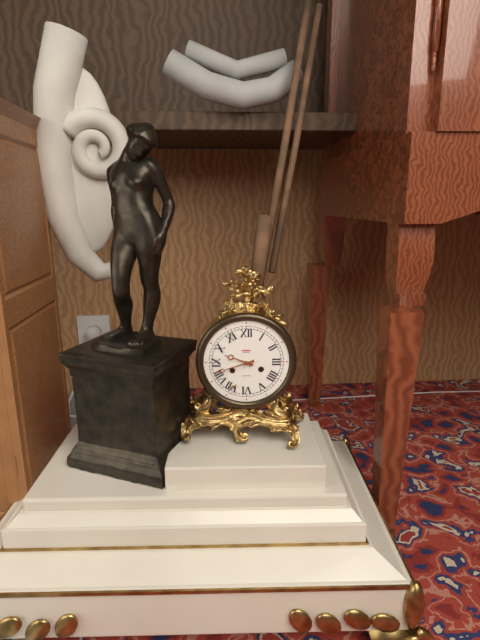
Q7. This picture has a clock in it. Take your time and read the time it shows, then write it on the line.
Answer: 9:42
